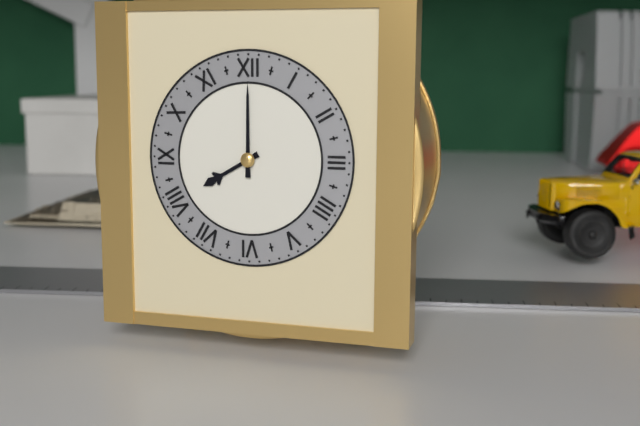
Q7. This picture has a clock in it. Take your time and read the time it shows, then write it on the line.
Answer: 8:00
